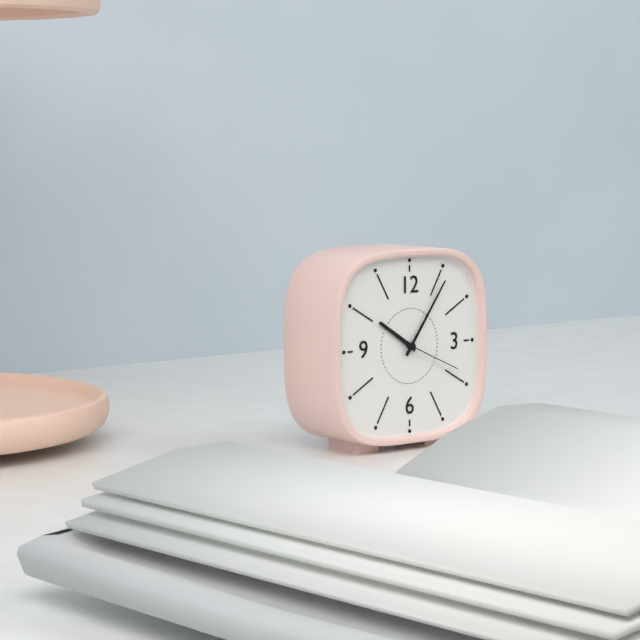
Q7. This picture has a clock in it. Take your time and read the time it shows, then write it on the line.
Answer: 10:06:19
